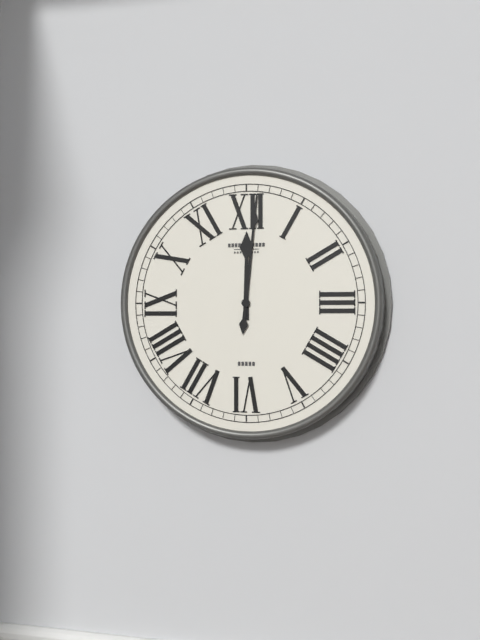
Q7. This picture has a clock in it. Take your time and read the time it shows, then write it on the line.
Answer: 12:01
